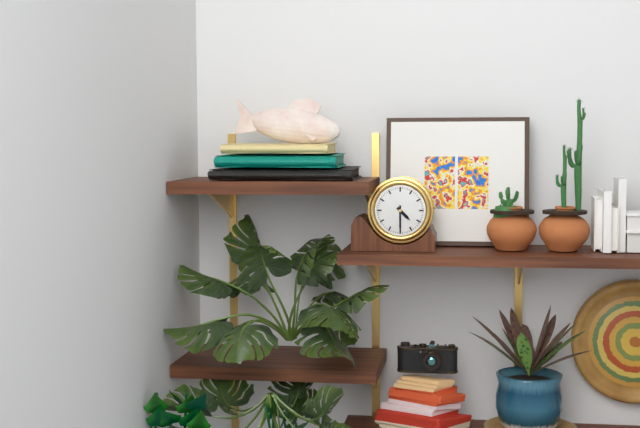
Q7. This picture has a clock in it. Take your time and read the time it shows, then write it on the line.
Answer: 4:30
